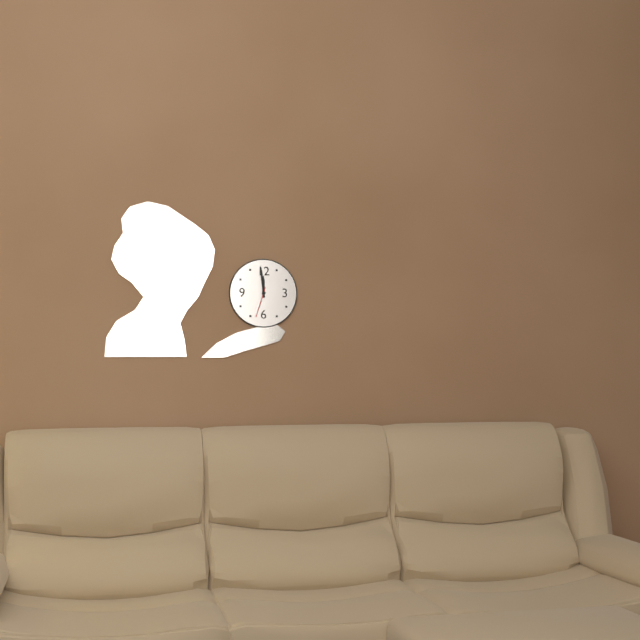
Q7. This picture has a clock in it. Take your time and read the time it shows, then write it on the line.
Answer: 11:59
